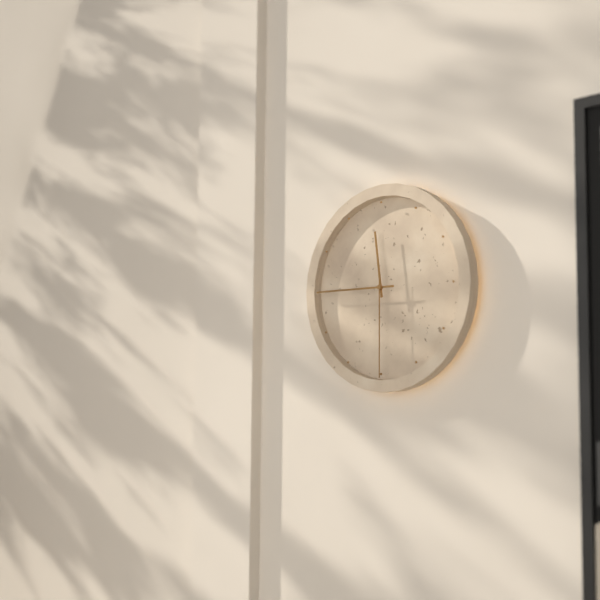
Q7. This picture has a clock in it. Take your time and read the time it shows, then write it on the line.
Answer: 11:45:30
